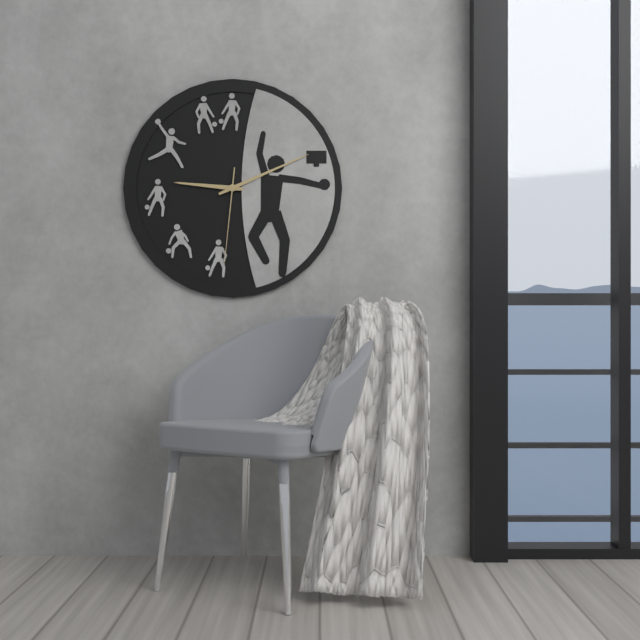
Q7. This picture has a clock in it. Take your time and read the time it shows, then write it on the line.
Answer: 9:11:31
